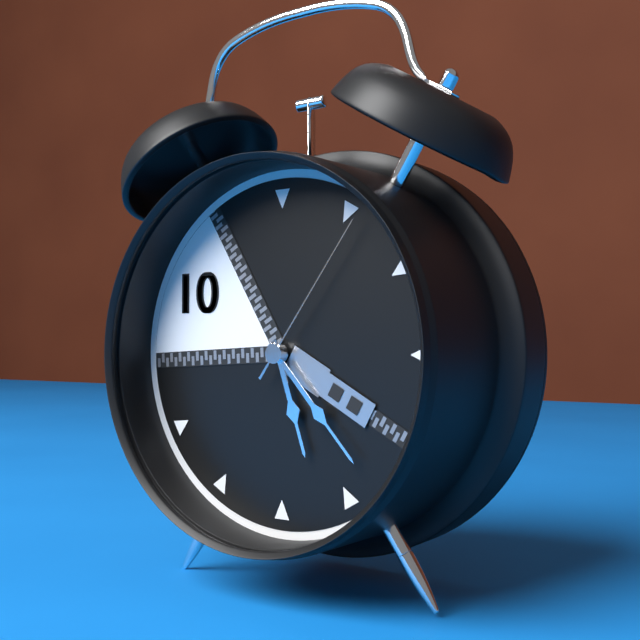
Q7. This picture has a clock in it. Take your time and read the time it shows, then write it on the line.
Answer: 5:23:06
